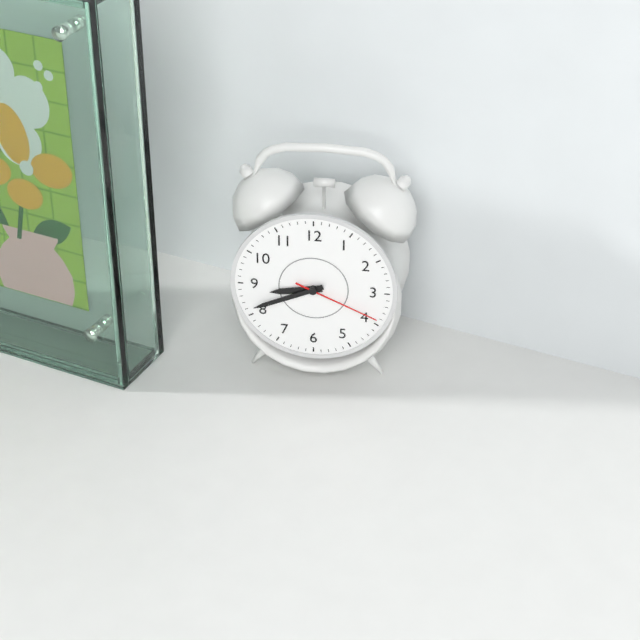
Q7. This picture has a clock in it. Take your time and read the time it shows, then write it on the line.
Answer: 8:41:19
